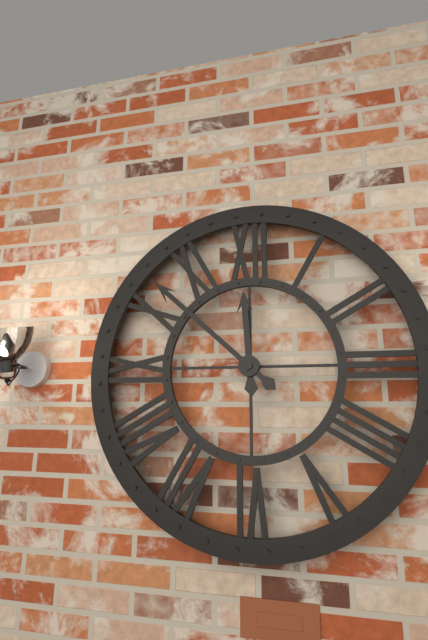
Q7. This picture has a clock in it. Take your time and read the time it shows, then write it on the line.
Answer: 11:52
